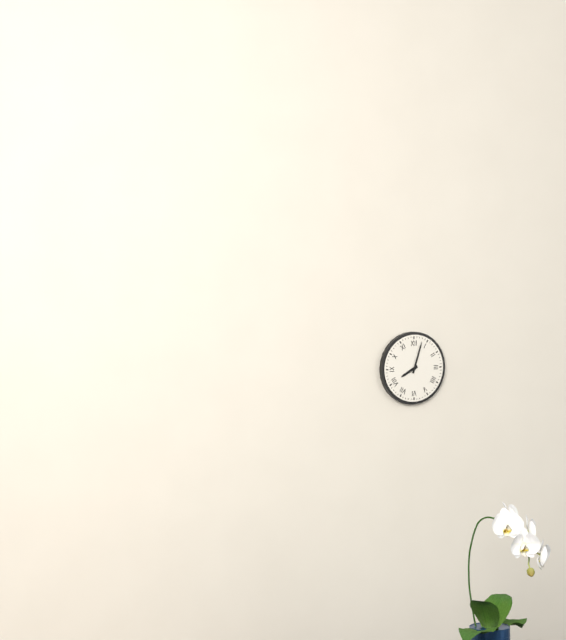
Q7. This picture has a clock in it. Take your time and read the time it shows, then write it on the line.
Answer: 8:03
